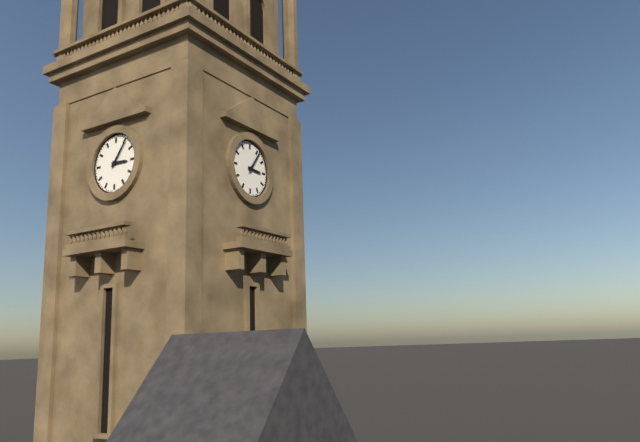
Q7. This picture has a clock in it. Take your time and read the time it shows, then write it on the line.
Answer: 3:06
